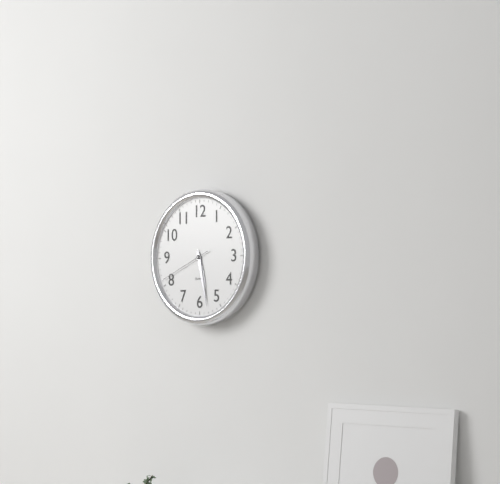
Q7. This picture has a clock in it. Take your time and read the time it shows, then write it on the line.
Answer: 5:28:41
